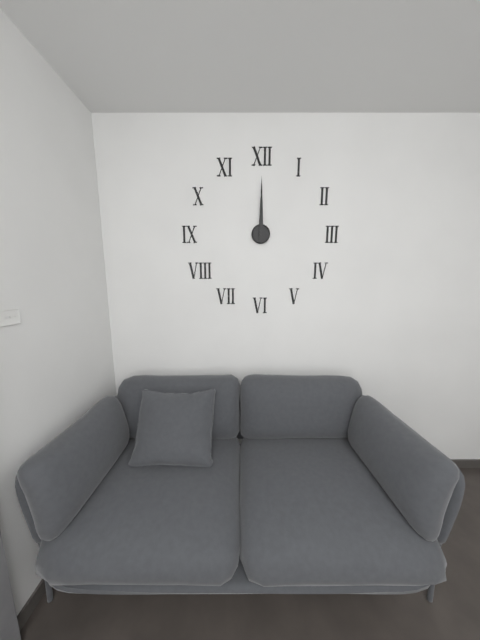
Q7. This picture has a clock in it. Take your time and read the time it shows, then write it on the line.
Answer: 12:00
